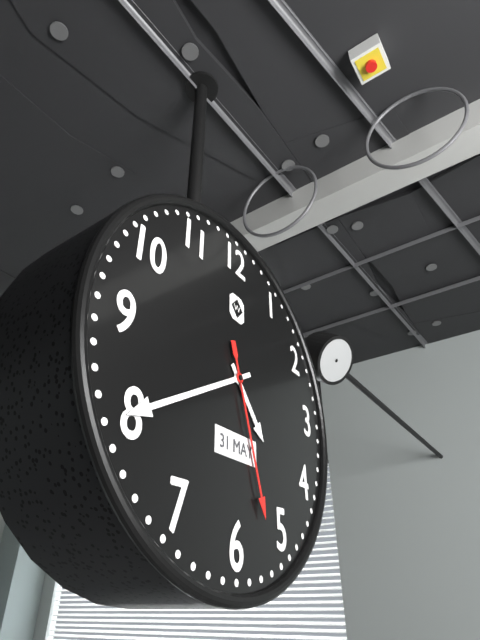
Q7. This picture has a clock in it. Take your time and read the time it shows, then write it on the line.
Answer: 4:40:27
